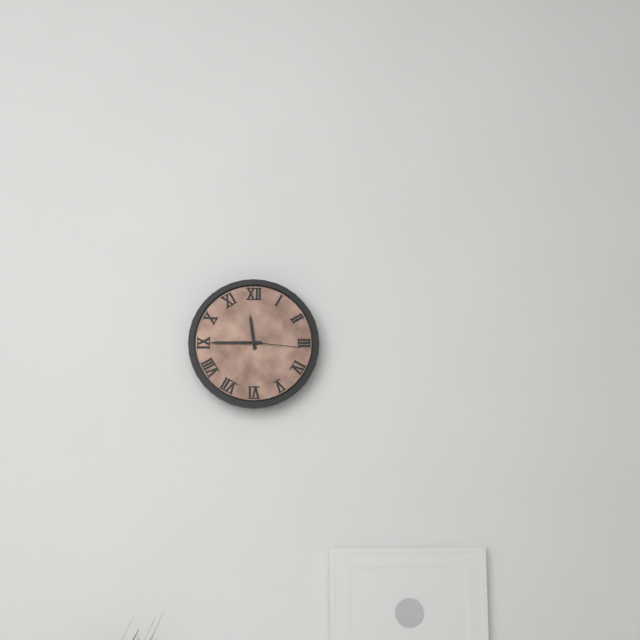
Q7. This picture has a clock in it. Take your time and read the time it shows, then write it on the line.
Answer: 11:45:16
